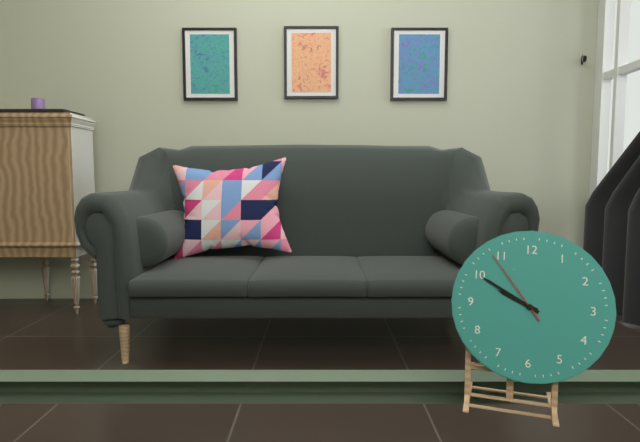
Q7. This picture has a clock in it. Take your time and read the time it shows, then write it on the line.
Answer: 9:50:54
